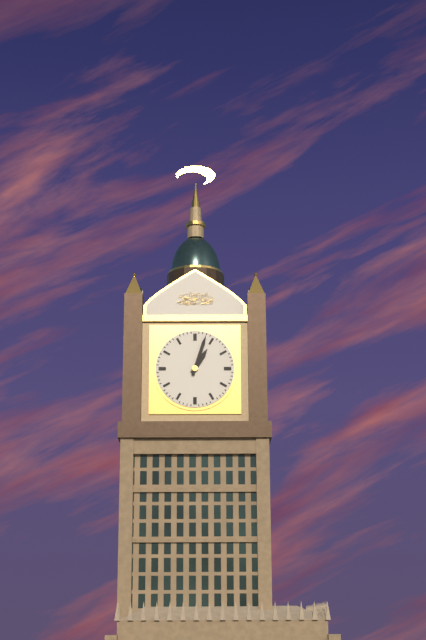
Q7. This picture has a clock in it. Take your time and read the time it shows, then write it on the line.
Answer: 1:03
